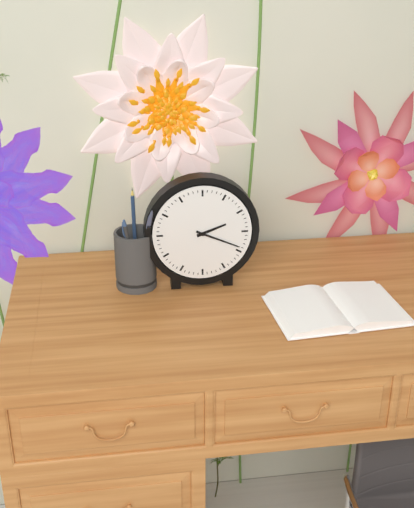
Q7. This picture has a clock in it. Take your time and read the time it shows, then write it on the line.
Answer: 2:19
